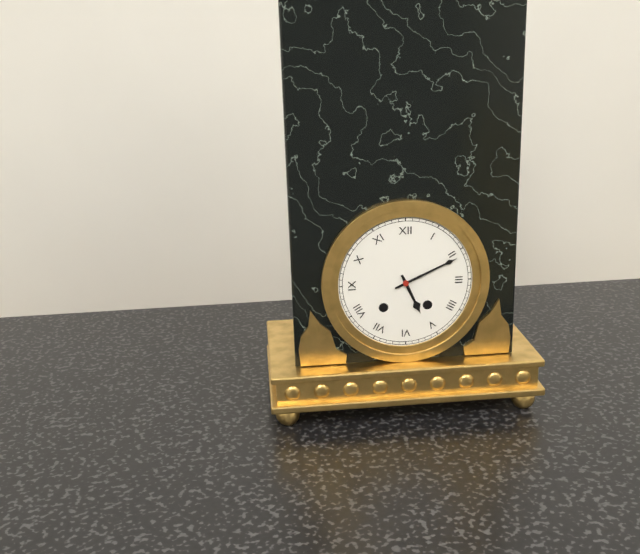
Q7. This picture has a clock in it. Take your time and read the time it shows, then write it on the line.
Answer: 5:11
